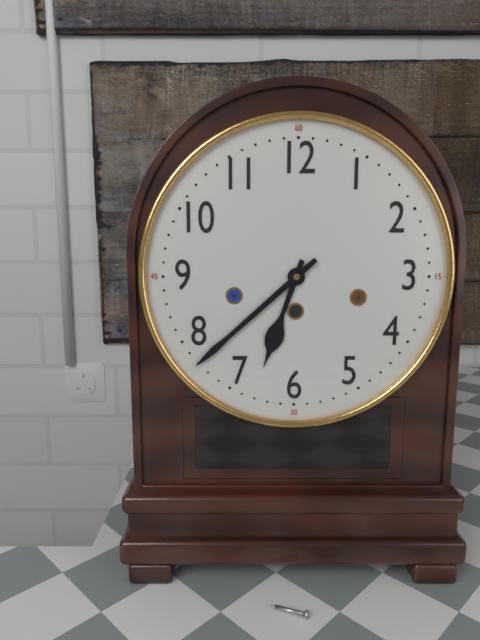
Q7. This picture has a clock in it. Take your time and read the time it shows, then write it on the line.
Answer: 6:38
